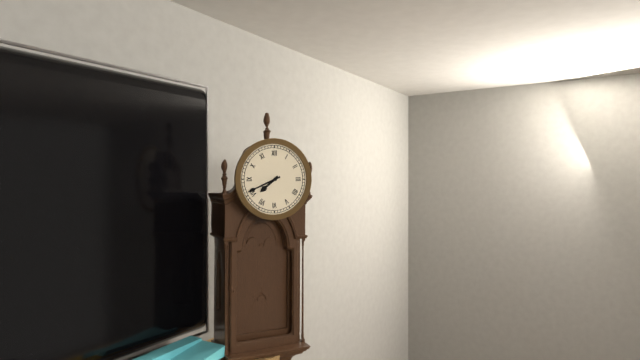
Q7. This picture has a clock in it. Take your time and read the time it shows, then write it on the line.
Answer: 7:41
